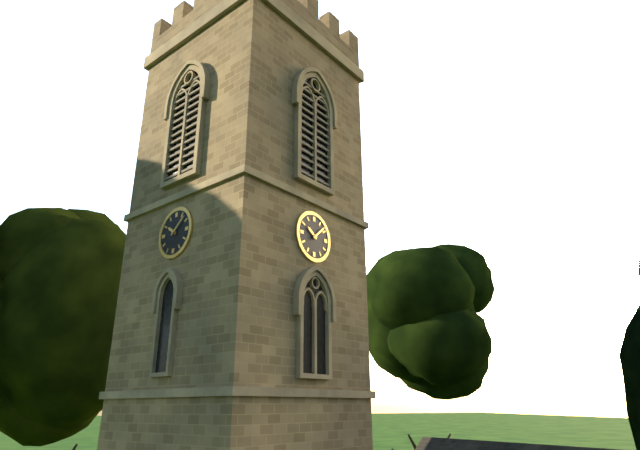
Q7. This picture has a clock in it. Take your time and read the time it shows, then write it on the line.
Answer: 10:08
